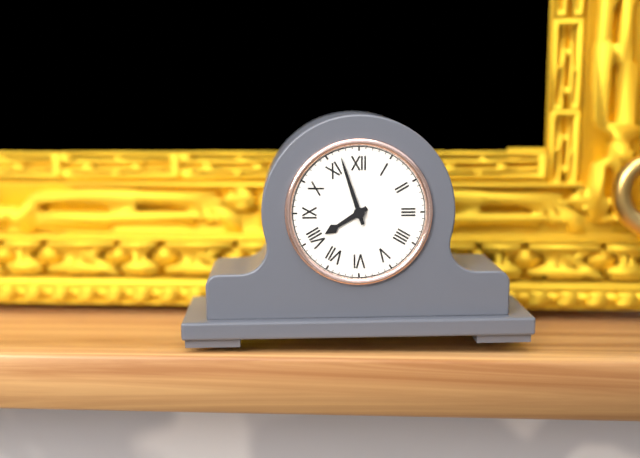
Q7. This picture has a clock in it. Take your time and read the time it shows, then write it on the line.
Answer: 7:57
